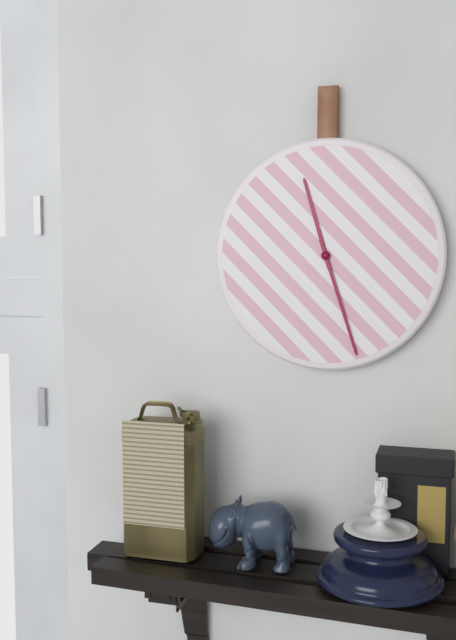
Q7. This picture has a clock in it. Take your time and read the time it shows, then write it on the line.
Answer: 11:27
